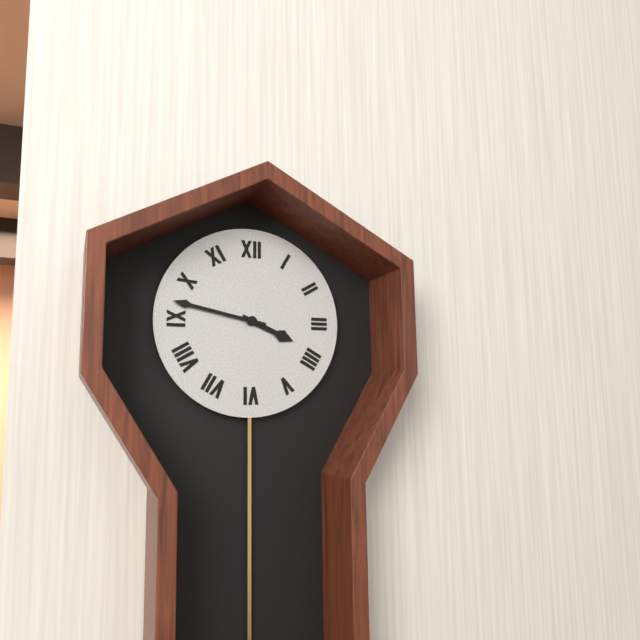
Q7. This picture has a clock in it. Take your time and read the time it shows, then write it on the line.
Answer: 3:47
